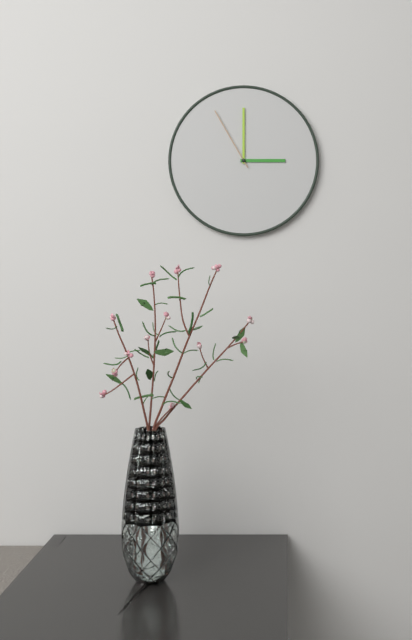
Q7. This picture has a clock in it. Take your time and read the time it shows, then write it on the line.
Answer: 3:00:55
